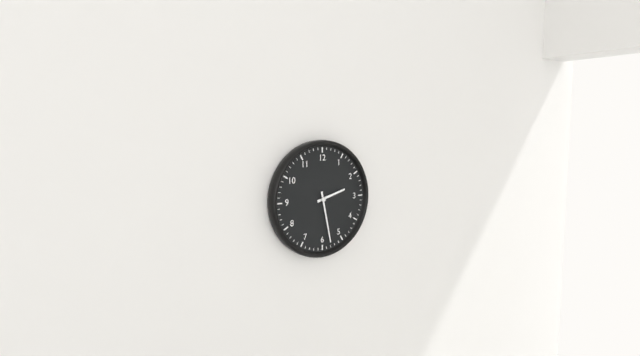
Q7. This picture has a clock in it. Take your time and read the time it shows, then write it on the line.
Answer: 2:28
